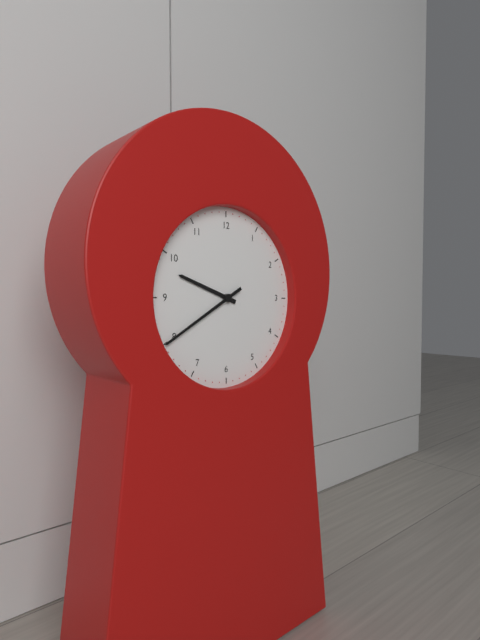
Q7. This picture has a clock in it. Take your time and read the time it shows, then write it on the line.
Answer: 9:40
